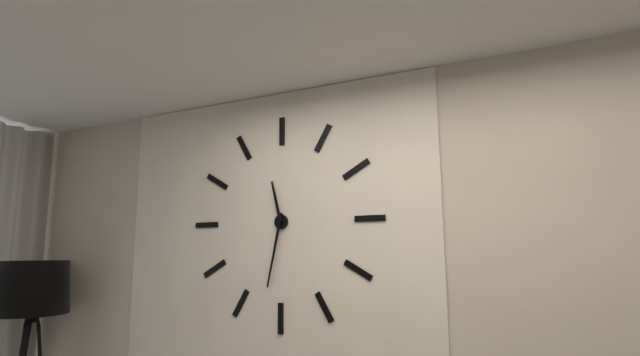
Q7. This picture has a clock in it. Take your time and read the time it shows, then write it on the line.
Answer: 11:32
